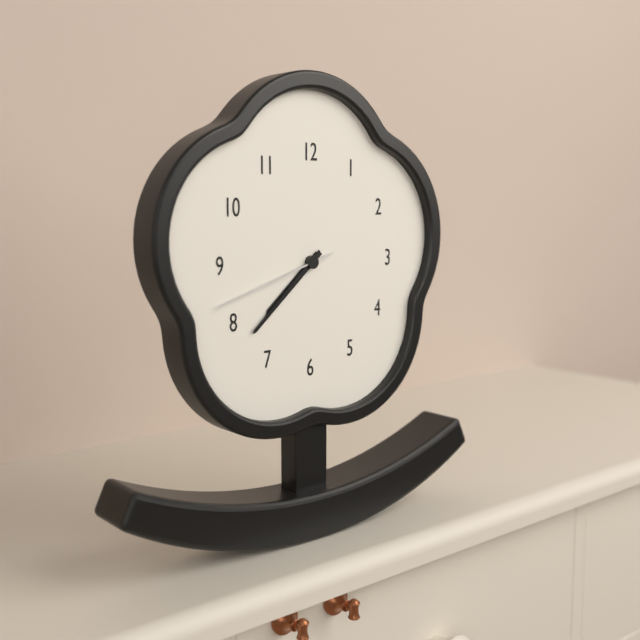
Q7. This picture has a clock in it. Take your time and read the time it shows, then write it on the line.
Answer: 7:38:42
